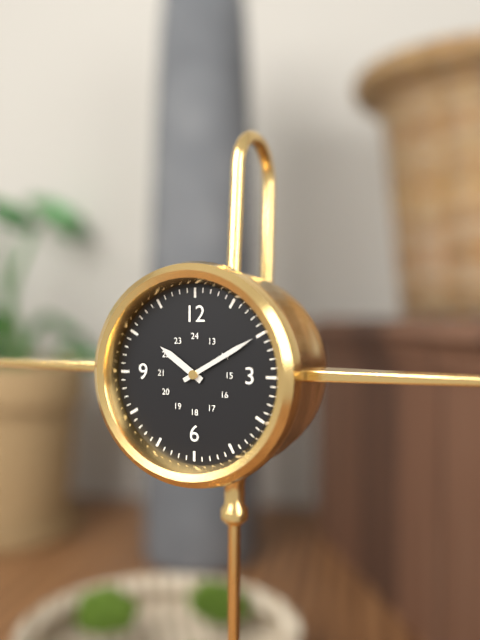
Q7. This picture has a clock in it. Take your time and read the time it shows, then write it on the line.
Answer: 10:10
